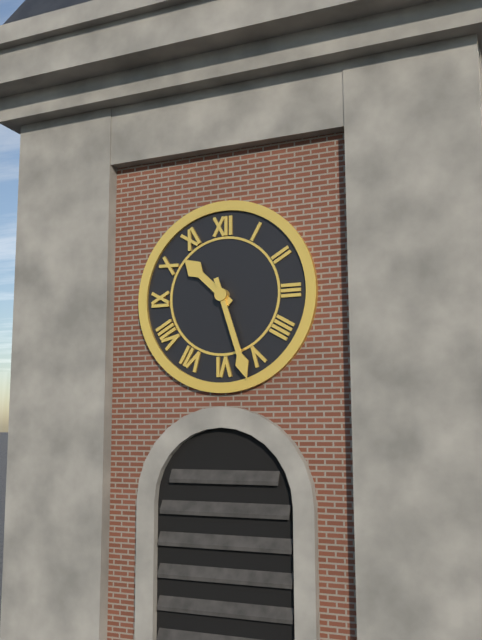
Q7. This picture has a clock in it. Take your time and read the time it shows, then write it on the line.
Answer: 10:27
